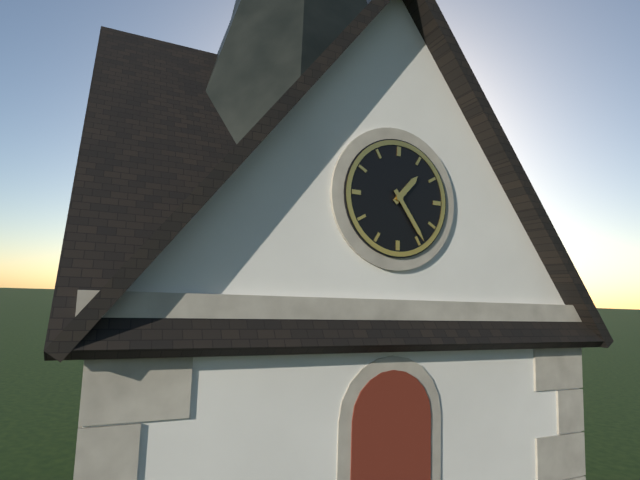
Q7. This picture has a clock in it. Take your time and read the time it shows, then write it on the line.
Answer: 1:24
